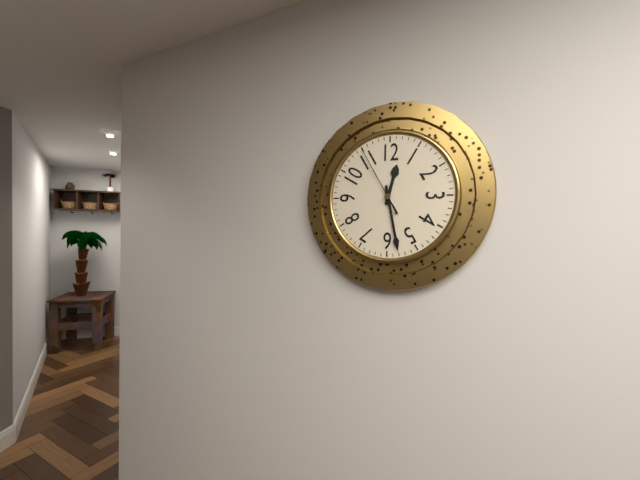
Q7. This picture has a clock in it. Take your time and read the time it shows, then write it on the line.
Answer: 12:28:55
